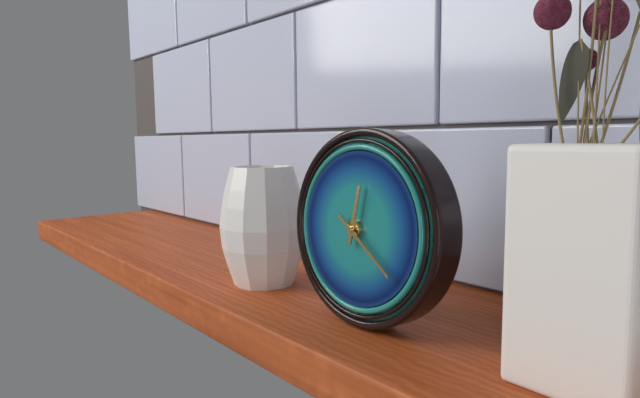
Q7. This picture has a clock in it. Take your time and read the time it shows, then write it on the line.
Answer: 12:21
